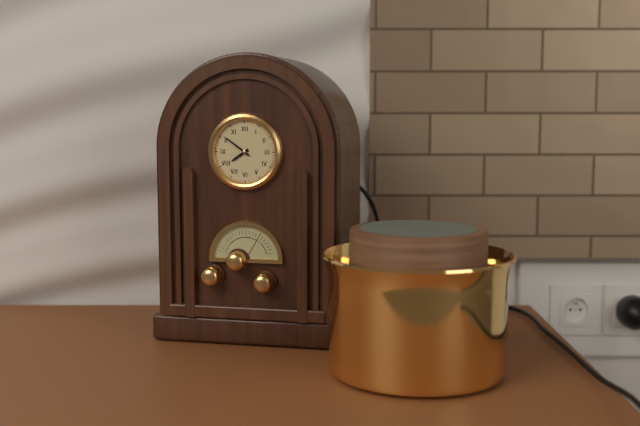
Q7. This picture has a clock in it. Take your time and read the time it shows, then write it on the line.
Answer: 7:51
